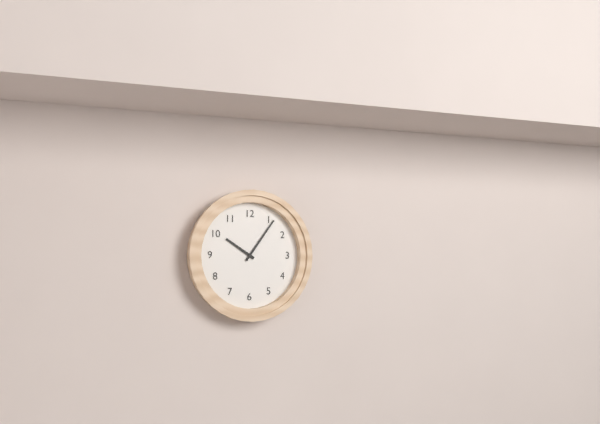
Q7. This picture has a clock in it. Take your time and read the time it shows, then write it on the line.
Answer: 10:06
